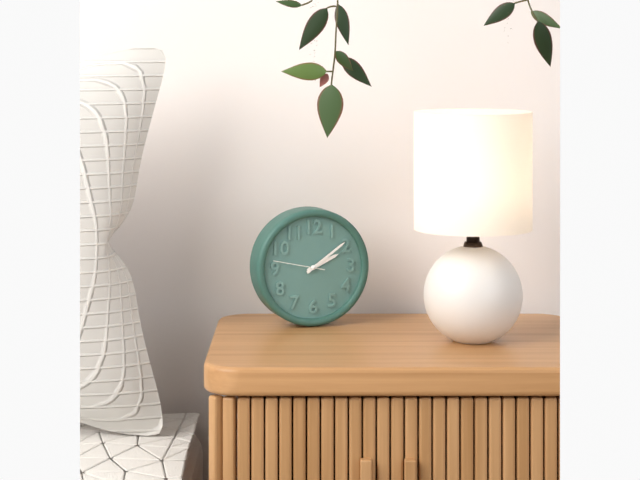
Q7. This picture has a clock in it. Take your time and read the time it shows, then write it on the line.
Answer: 2:09:47
